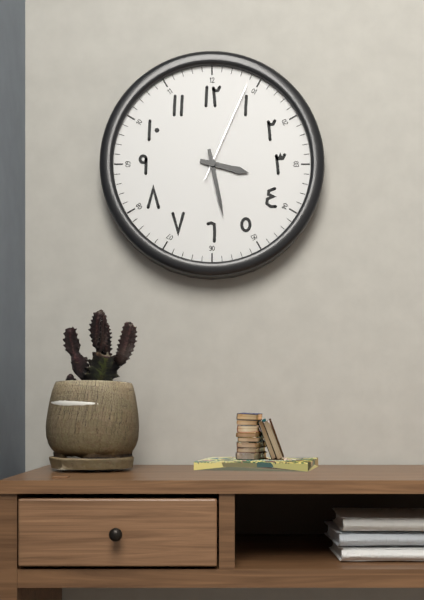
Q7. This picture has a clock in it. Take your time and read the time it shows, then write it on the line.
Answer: 3:28:04
